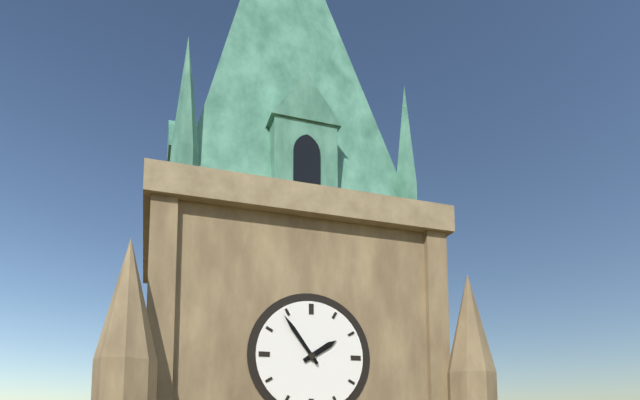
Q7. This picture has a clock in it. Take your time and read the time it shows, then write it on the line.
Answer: 1:54
